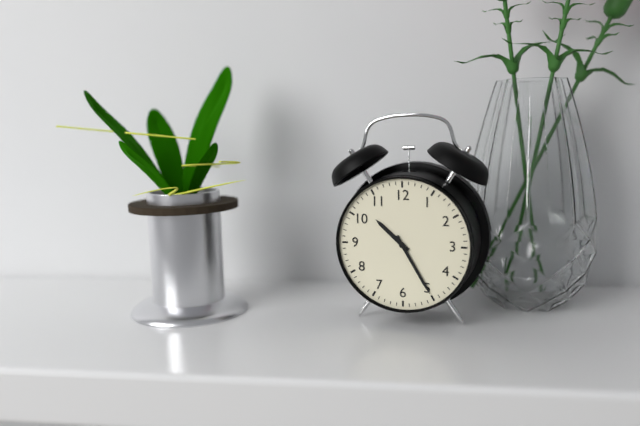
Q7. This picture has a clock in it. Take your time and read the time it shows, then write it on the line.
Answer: 10:25
